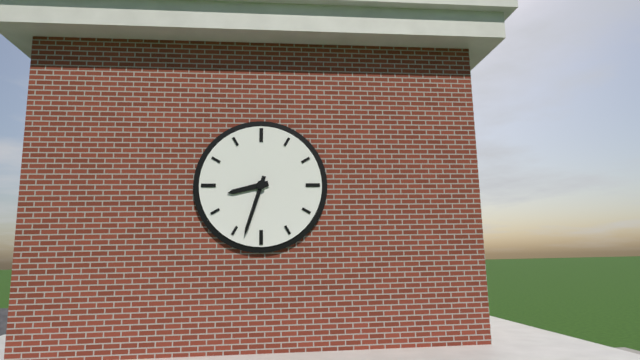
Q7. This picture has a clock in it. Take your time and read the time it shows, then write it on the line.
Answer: 8:33
